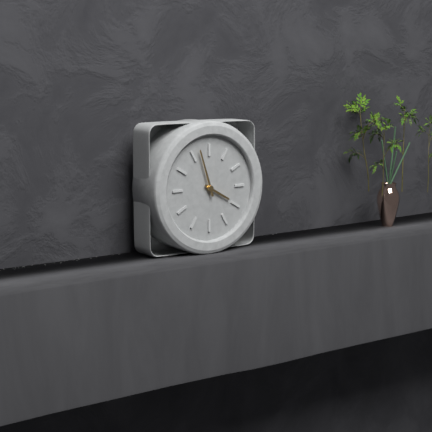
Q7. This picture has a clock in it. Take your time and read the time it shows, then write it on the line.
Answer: 3:57
